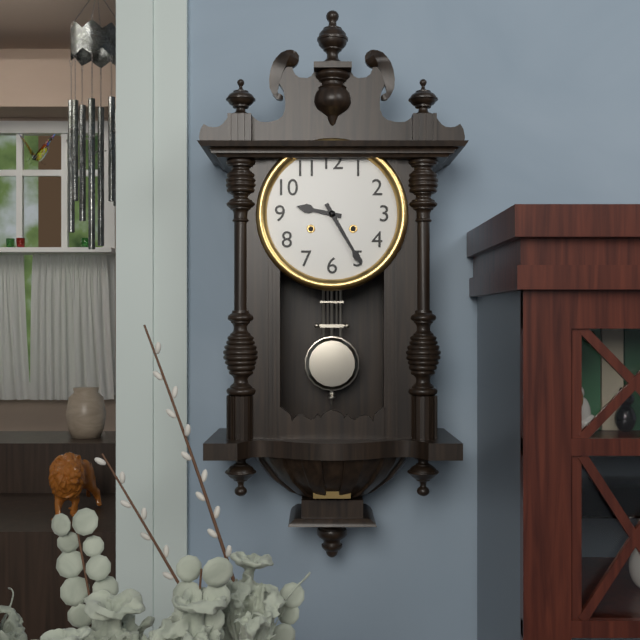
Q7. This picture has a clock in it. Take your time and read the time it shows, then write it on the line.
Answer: 9:25
